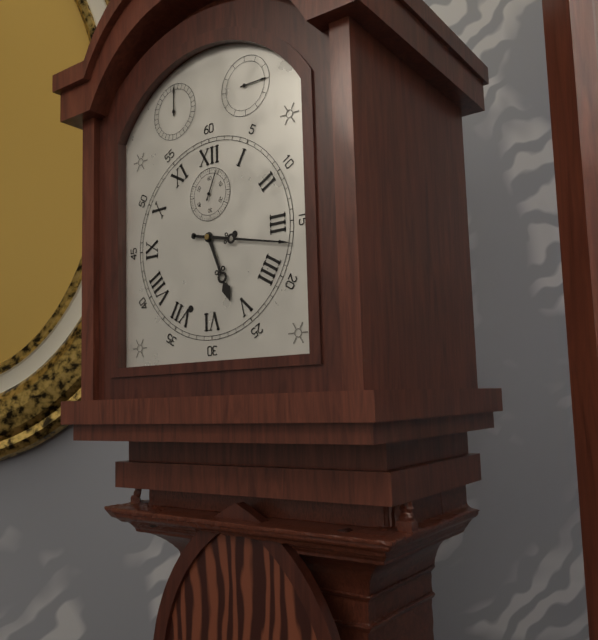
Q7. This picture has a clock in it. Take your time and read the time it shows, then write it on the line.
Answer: 5:17
